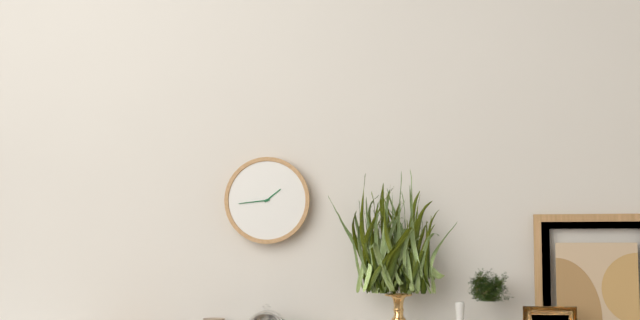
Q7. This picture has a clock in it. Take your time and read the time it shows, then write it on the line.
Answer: 1:44
